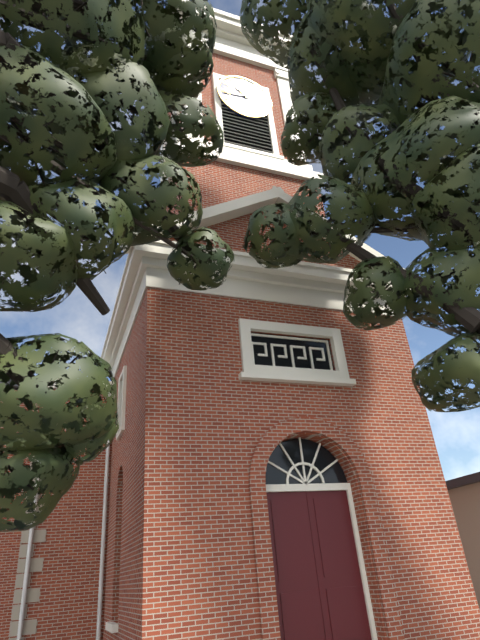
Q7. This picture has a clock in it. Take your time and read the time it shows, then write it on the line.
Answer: 10:44
